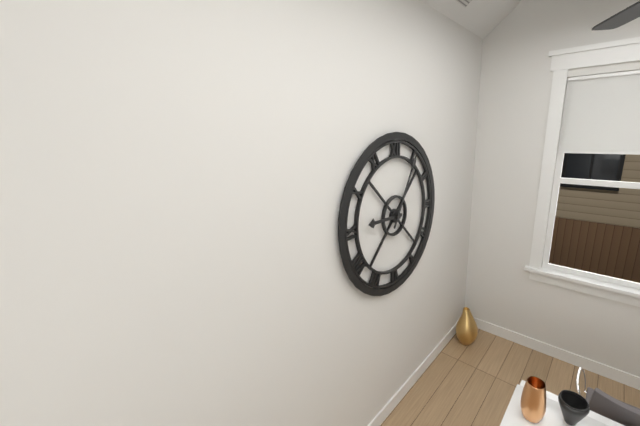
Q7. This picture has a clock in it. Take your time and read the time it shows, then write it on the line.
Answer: 9:05
